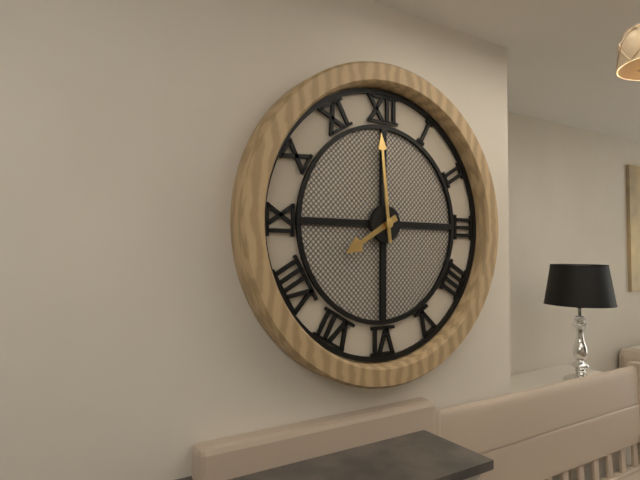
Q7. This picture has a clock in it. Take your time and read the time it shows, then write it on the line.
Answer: 7:59
